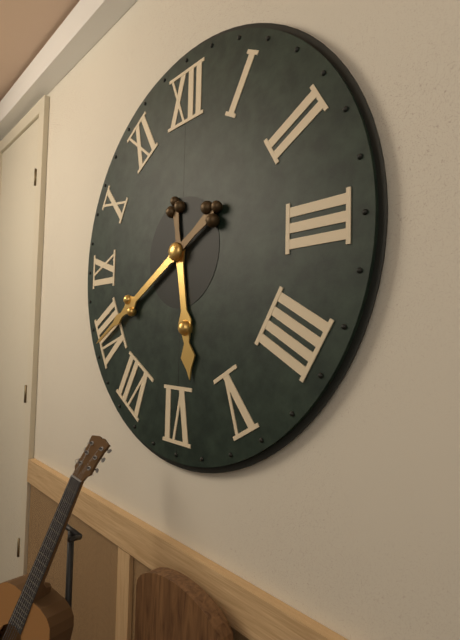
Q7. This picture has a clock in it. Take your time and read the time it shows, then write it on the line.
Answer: 5:40
